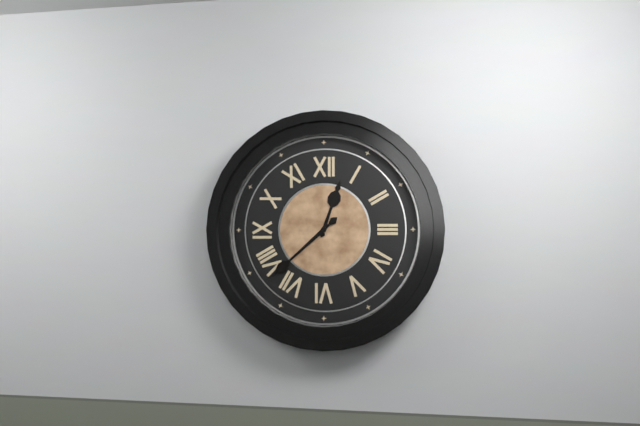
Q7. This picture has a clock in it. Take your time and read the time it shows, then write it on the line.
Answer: 12:38
